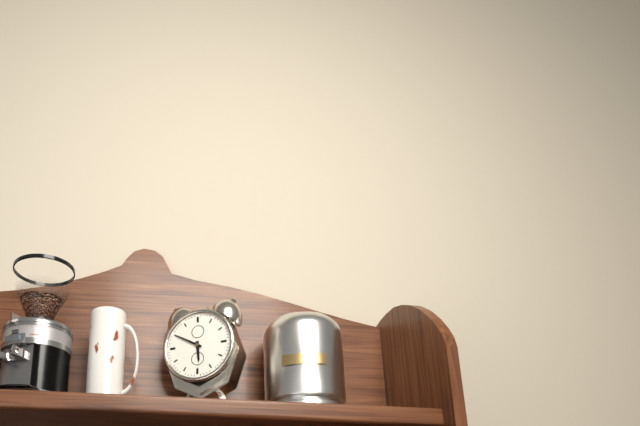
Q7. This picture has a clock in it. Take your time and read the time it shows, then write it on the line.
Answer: 5:50
